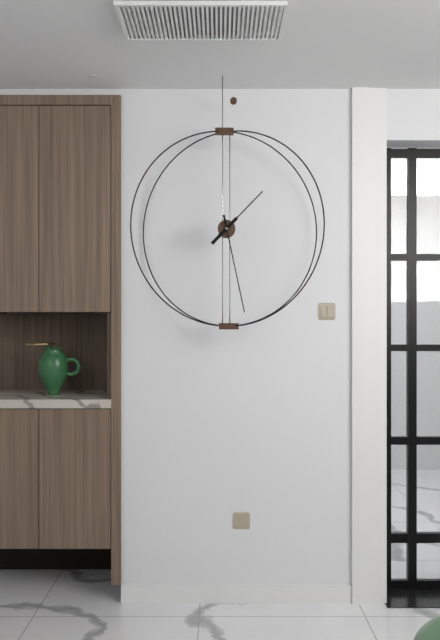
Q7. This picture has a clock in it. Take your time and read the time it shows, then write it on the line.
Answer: 1:28
